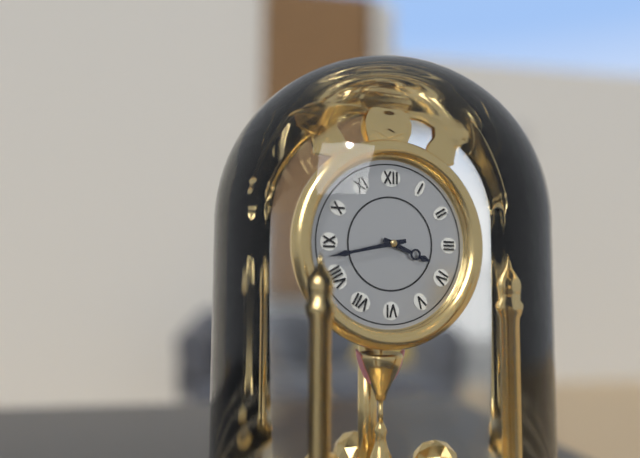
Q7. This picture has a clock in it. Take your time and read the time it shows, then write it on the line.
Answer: 3:43
